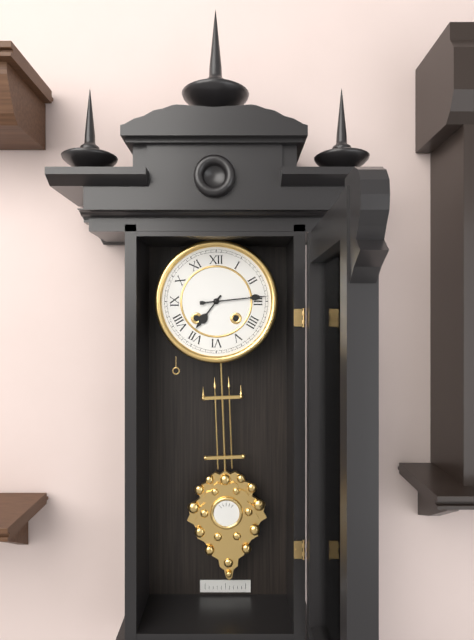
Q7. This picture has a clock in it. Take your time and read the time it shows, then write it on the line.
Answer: 7:14
